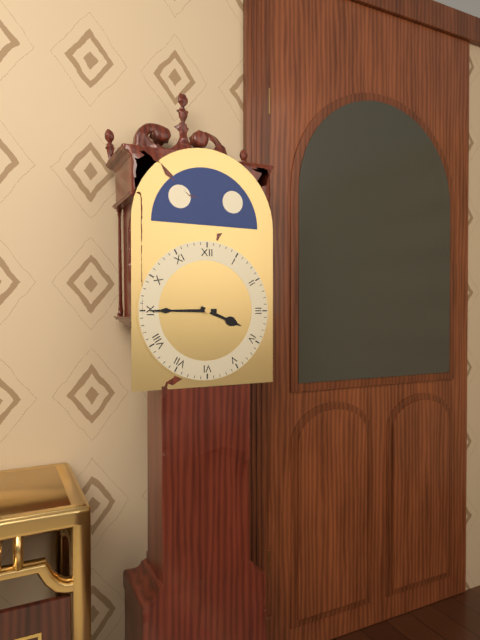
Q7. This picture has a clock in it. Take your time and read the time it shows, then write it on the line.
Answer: 3:45
